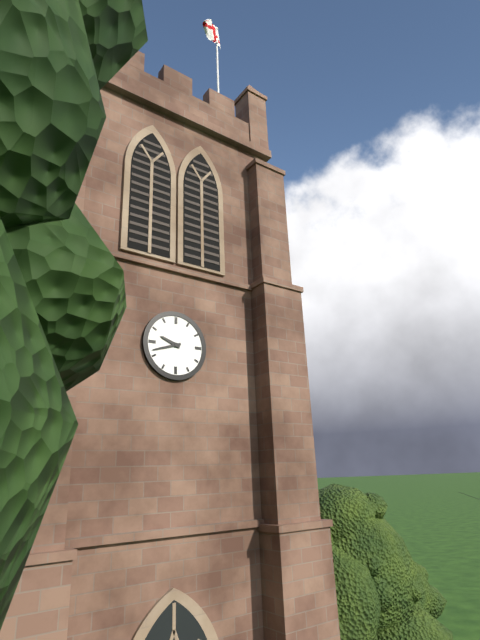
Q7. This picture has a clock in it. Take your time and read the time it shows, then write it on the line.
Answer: 9:42
